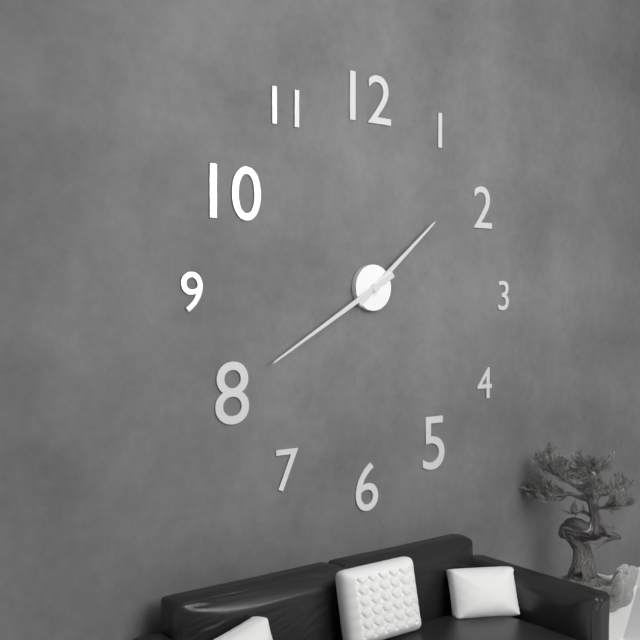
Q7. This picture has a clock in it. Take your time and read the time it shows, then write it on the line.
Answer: 1:40
